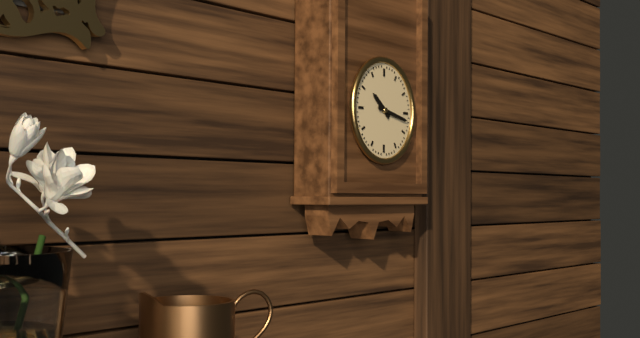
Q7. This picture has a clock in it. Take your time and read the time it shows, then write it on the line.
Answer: 10:17
